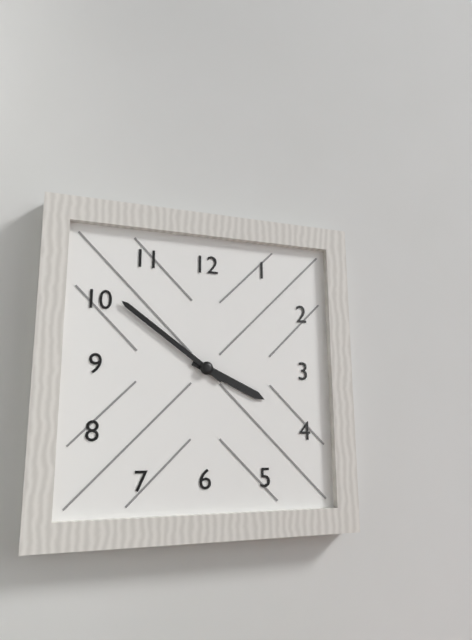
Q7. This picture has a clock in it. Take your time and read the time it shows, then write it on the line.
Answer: 3:51
